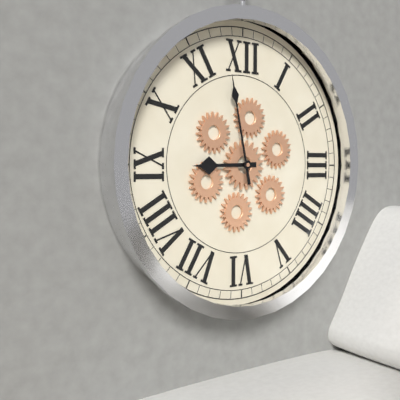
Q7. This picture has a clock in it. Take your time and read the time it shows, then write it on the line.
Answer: 8:58
